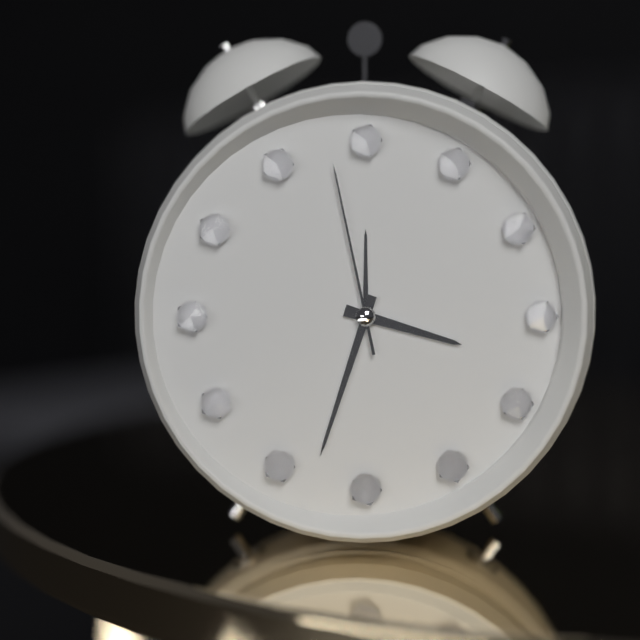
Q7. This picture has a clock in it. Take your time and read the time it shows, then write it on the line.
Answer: 3:33:58
